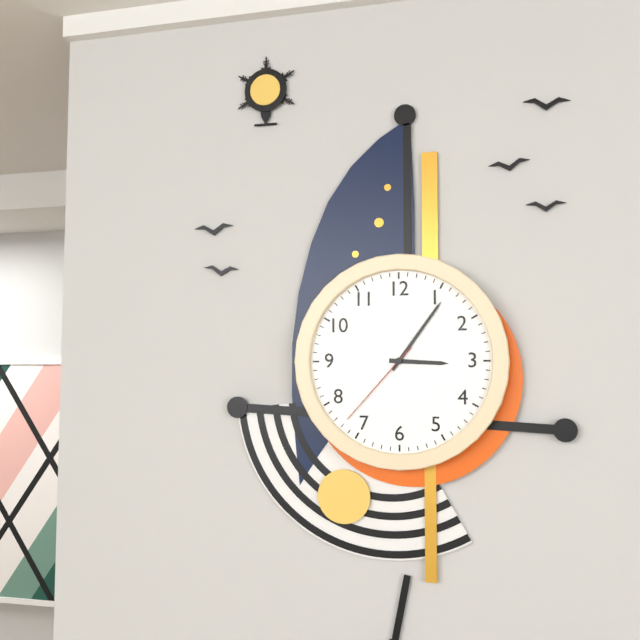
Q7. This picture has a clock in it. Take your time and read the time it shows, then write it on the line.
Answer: 3:06:37
